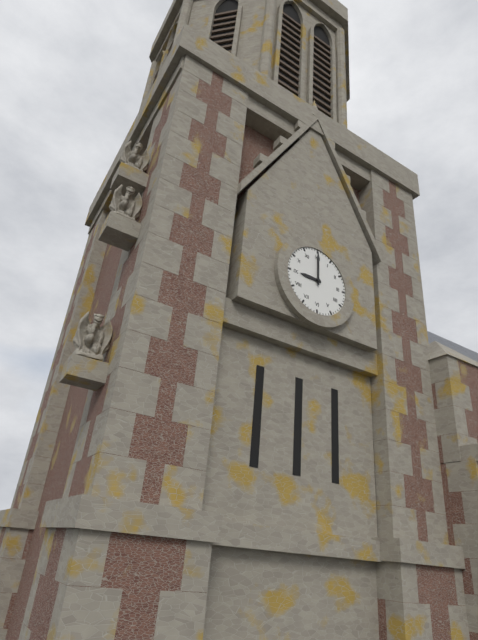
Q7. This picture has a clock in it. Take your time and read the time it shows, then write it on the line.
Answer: 9:00
